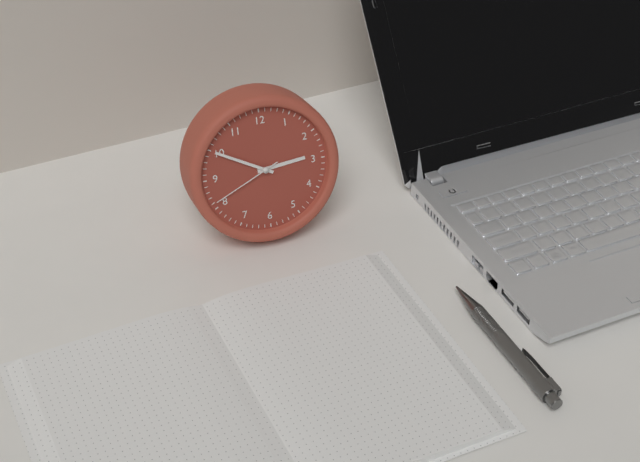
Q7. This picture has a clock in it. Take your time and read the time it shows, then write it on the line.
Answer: 2:50:41
